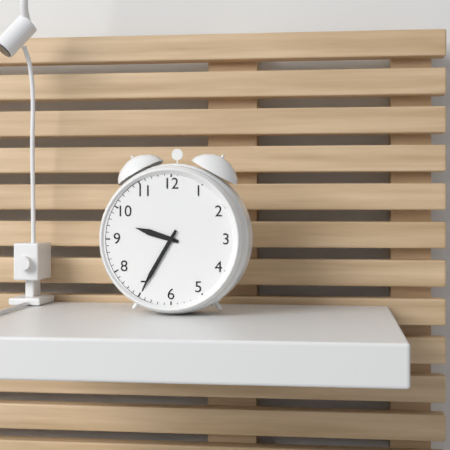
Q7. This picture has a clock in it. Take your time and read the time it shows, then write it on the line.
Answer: 9:35
